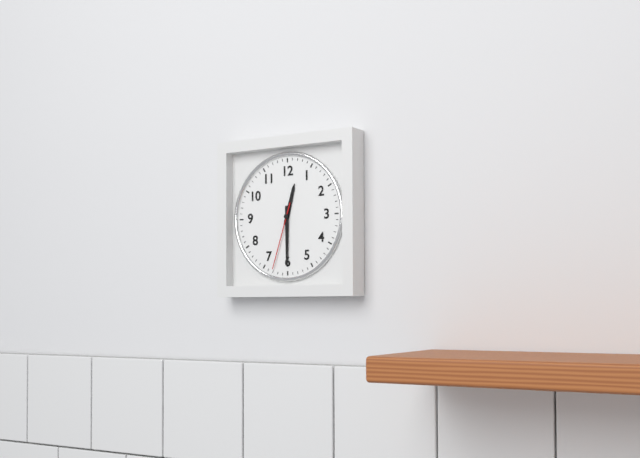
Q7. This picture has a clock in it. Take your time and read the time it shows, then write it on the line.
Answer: 12:30:33
